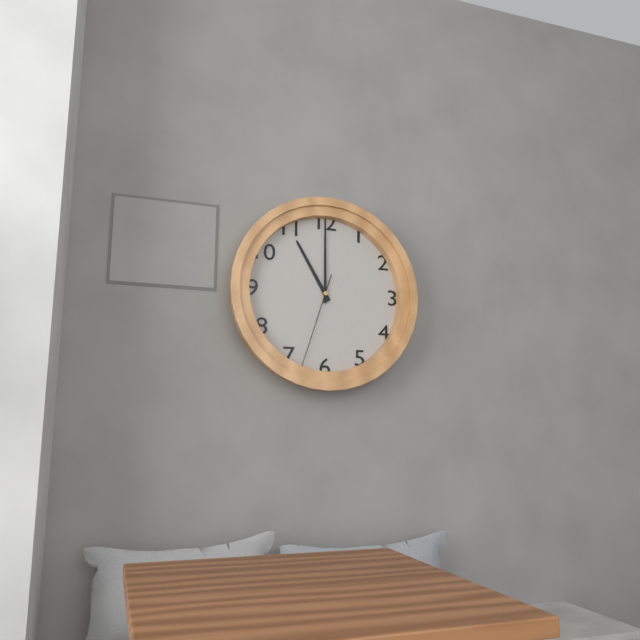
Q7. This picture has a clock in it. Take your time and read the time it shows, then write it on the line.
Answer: 11:00:33
